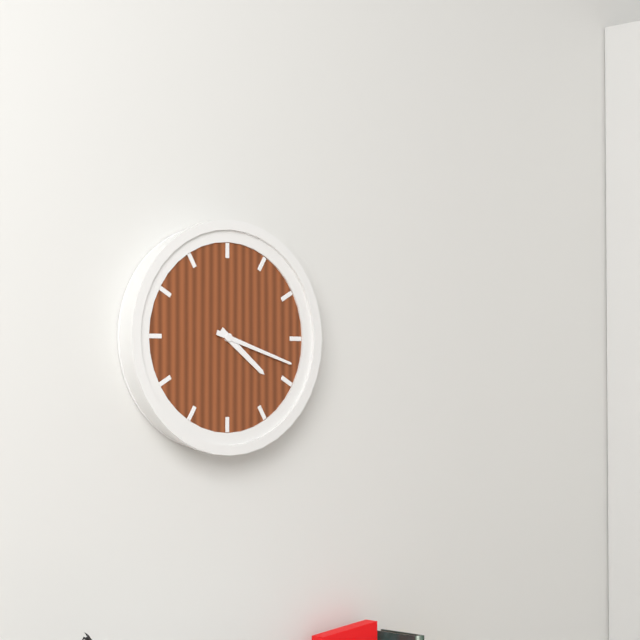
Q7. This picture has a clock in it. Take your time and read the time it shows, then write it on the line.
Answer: 4:18
